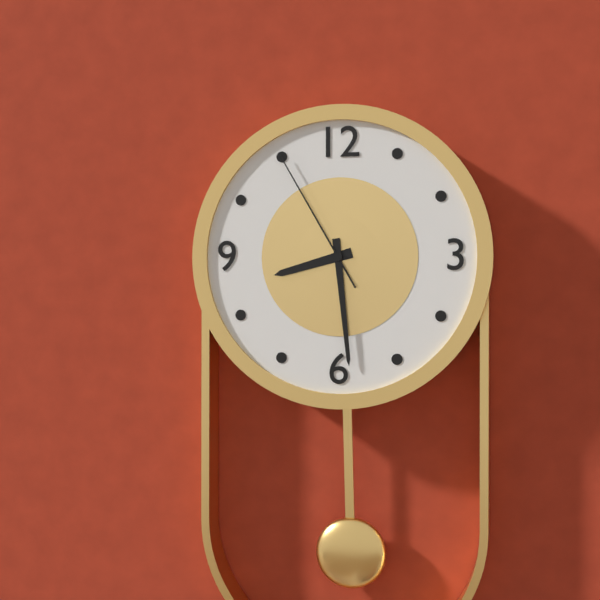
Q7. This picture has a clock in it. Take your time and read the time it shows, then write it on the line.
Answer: 8:29:55
